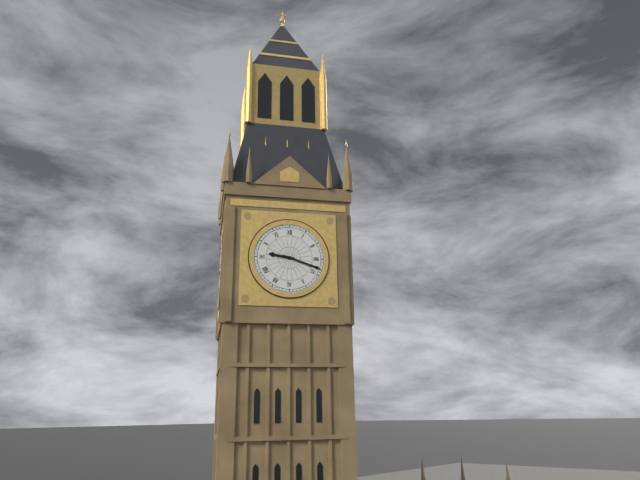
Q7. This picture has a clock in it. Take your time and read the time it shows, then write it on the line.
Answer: 9:18
